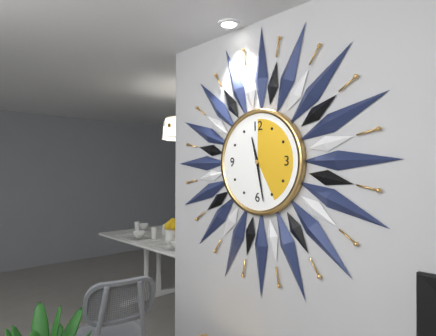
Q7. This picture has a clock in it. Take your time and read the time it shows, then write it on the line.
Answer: 11:28
